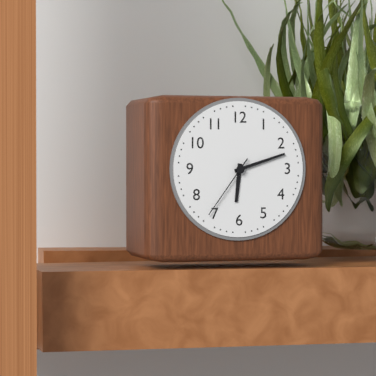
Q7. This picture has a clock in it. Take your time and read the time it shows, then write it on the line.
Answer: 6:12:36
